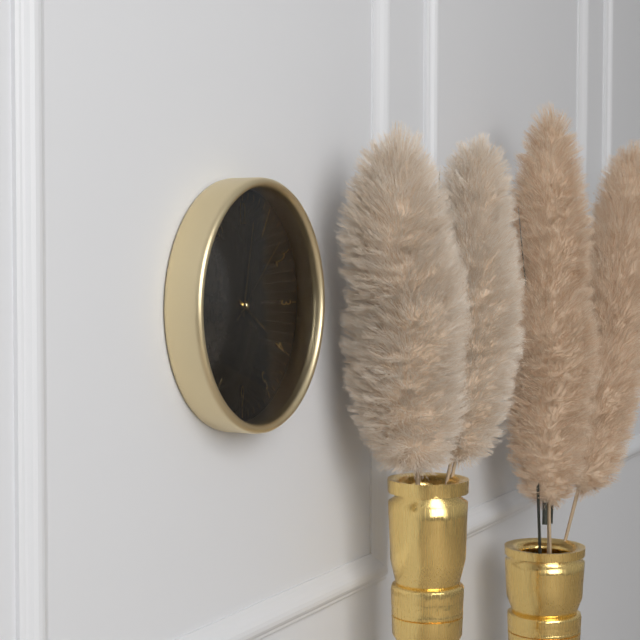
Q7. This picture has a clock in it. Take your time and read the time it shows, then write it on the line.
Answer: 4:02:08
